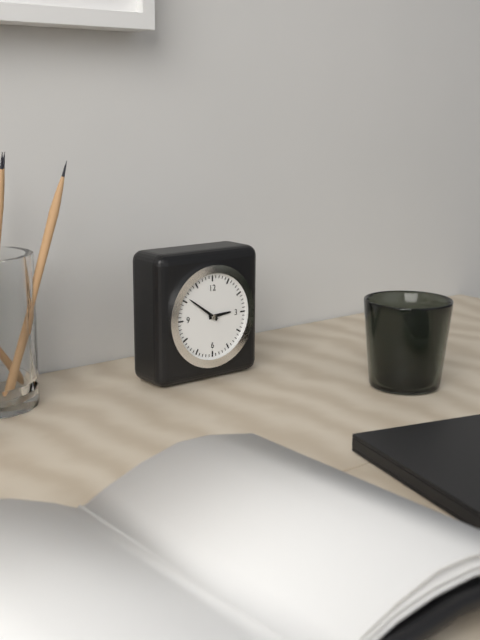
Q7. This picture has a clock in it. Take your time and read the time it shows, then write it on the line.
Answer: 2:51
